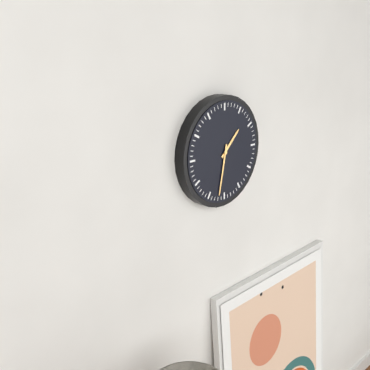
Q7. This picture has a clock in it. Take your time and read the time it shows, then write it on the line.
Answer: 1:32
